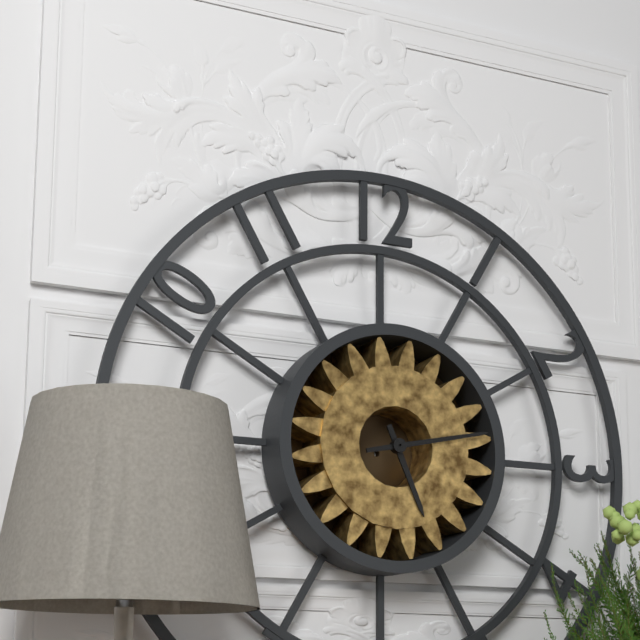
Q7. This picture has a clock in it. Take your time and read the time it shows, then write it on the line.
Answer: 5:13
